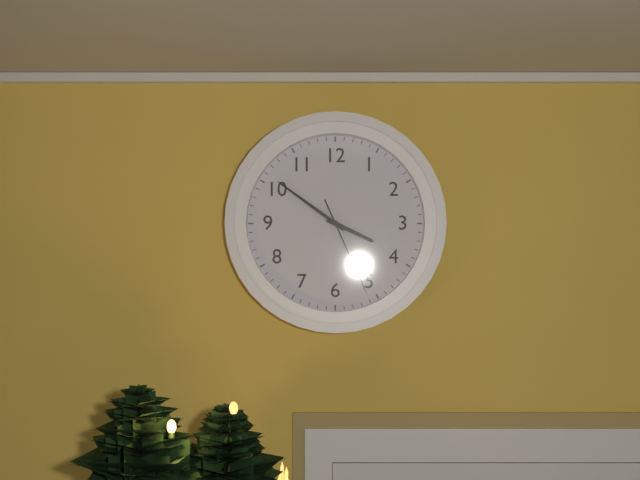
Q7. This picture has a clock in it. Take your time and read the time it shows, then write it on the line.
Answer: 3:51:26
